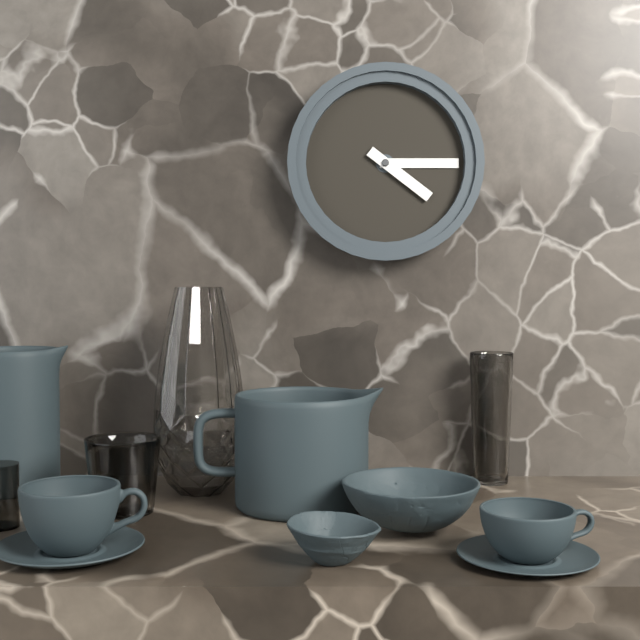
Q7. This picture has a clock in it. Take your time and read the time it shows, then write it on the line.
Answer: 4:15
